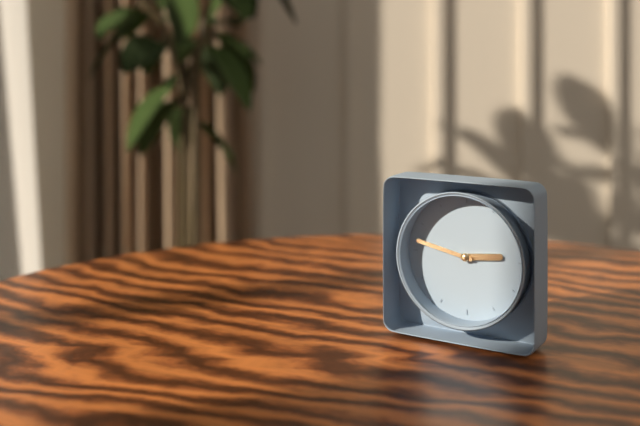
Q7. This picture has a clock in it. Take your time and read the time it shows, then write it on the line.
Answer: 2:47
